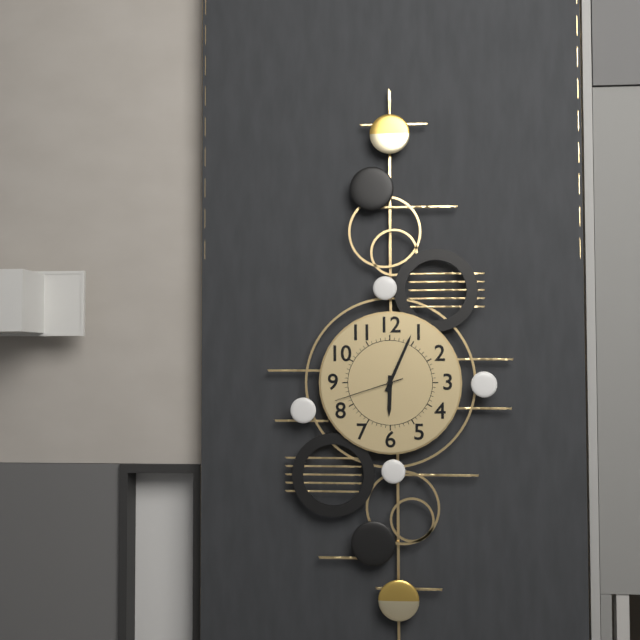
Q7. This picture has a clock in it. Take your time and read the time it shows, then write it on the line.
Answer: 6:04:42
